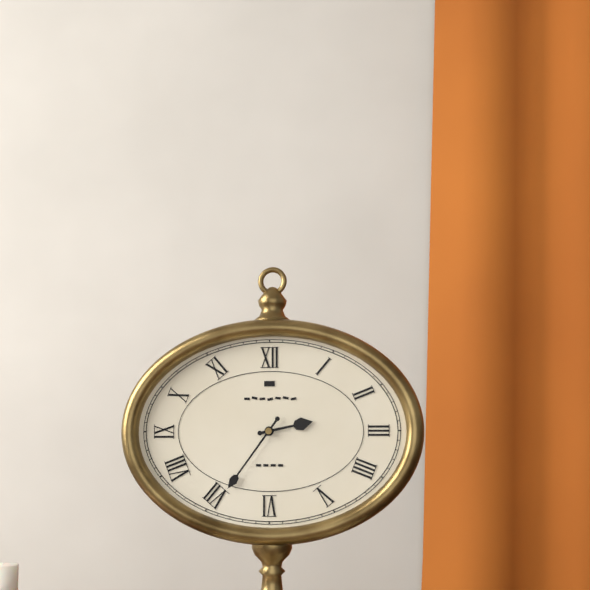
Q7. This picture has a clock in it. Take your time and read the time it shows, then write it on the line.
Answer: 2:36
